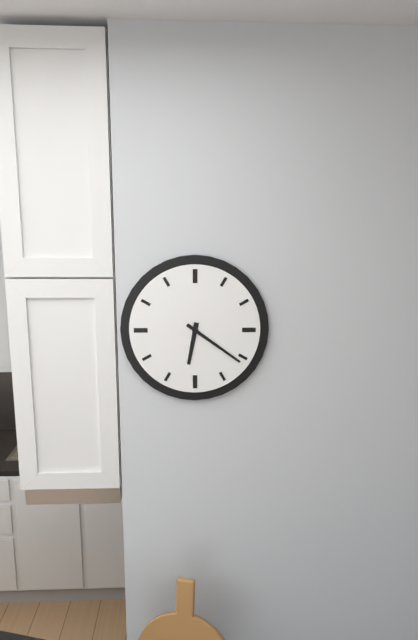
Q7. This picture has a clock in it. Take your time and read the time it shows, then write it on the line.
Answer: 6:21
